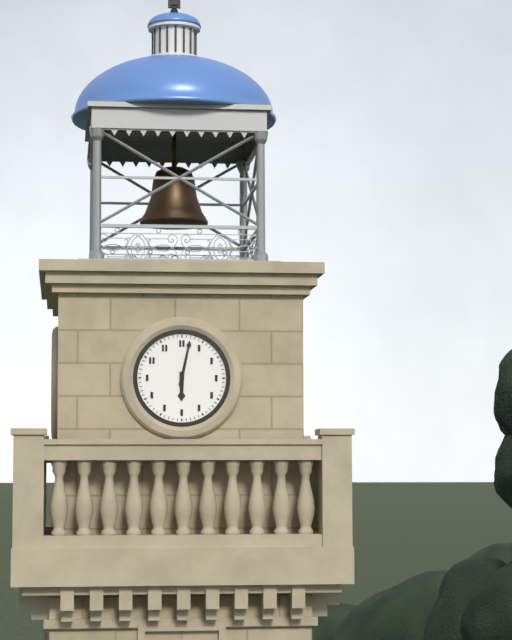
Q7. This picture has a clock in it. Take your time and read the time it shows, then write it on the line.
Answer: 6:02
